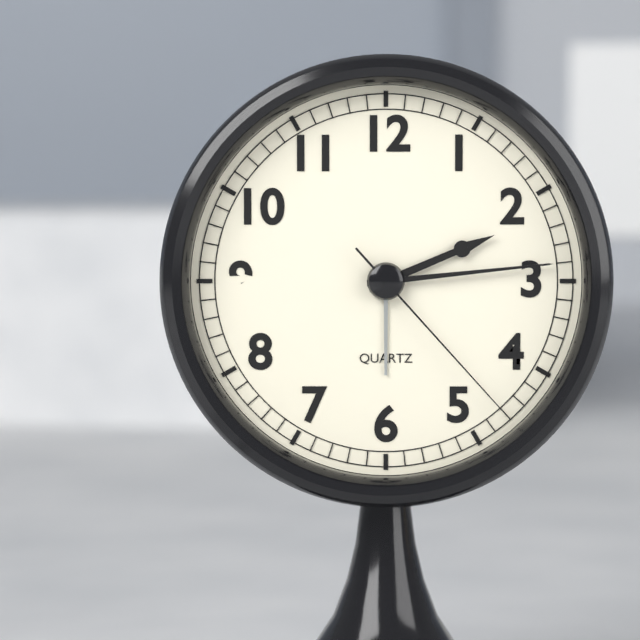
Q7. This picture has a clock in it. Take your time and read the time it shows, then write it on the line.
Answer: 2:14:23
